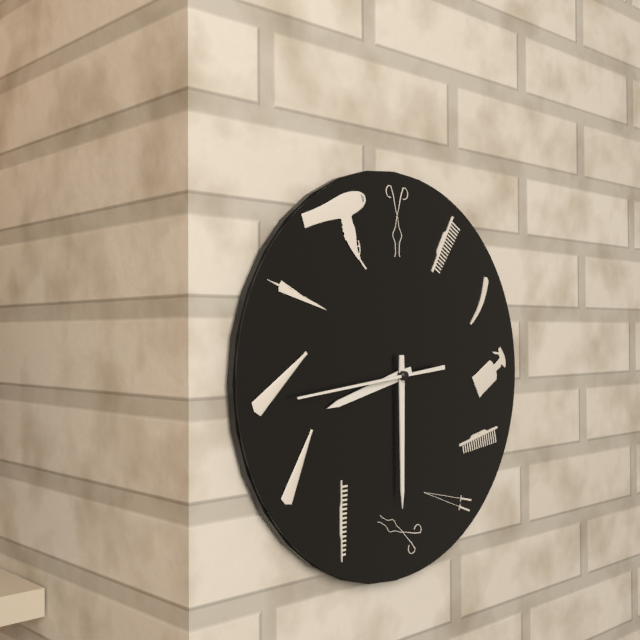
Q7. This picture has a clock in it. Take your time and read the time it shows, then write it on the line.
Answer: 8:30:44
